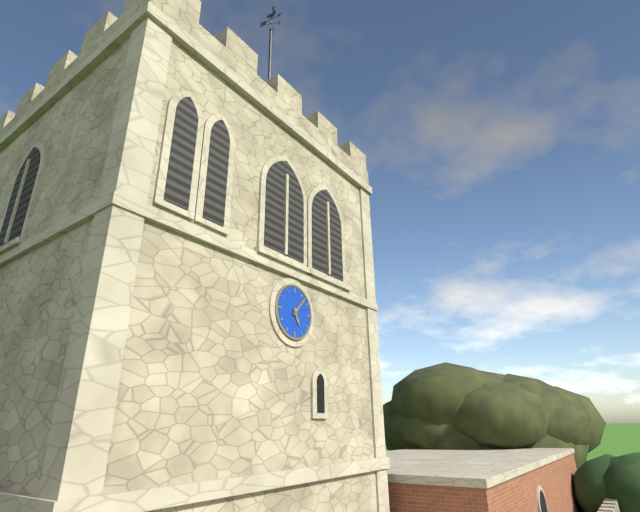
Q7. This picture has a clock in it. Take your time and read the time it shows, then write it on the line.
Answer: 5:07
